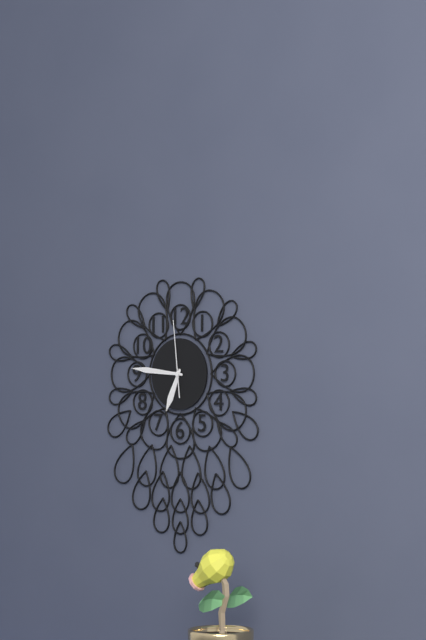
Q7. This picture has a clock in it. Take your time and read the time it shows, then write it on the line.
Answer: 6:46:59
